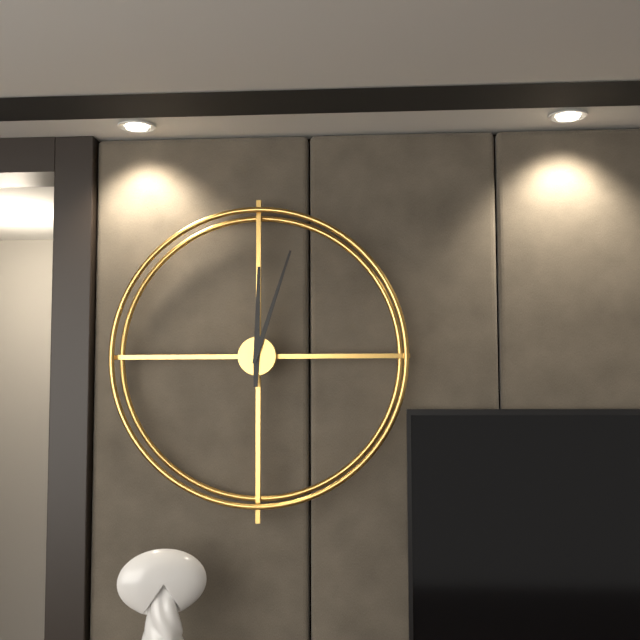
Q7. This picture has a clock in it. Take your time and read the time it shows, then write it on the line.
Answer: 12:03
